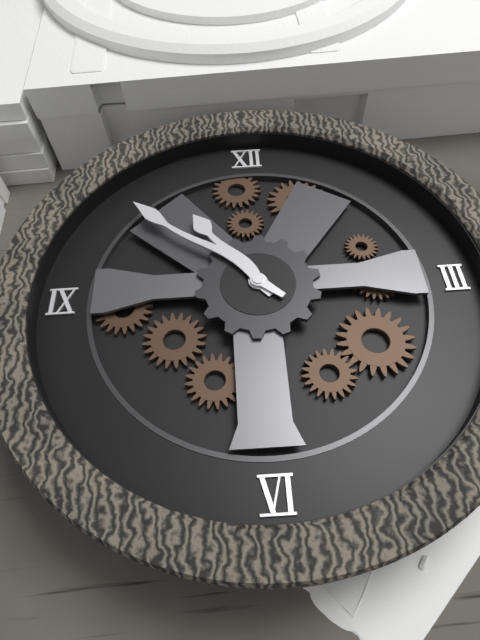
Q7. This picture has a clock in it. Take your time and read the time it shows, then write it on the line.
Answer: 10:52
